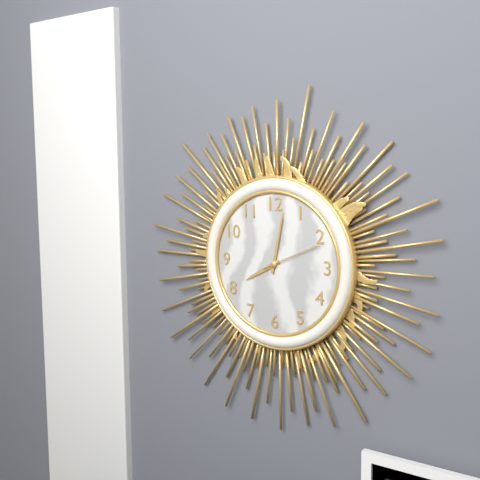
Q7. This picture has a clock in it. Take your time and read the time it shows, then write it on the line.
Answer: 8:02:11
